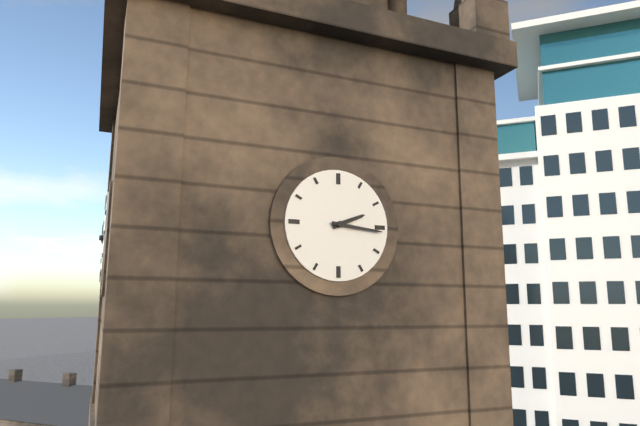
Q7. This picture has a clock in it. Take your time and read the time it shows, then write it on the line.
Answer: 2:16
